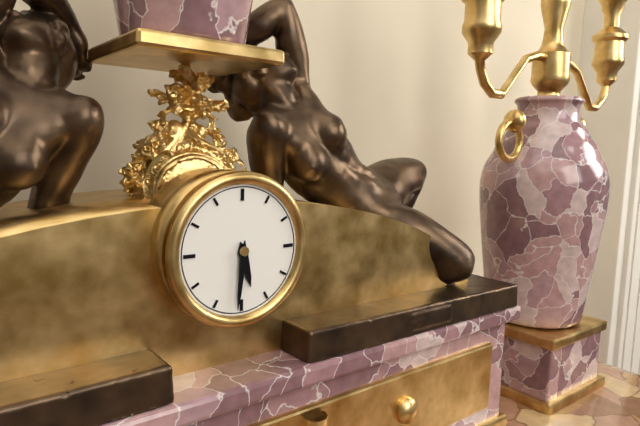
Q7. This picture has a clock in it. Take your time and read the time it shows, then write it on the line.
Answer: 5:31
